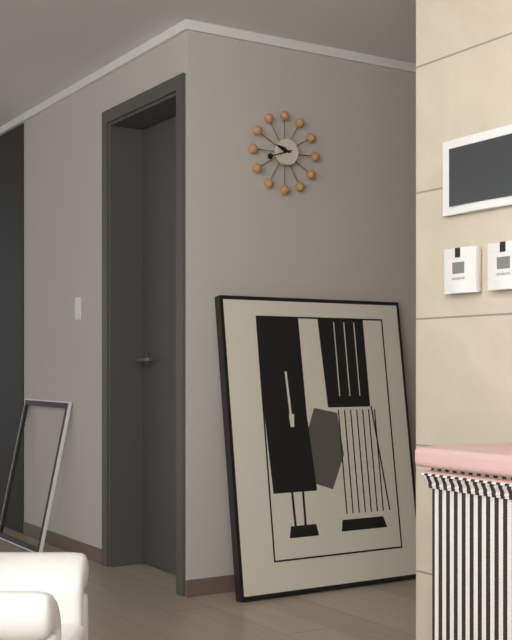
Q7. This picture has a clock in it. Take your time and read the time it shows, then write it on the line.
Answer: 9:42
